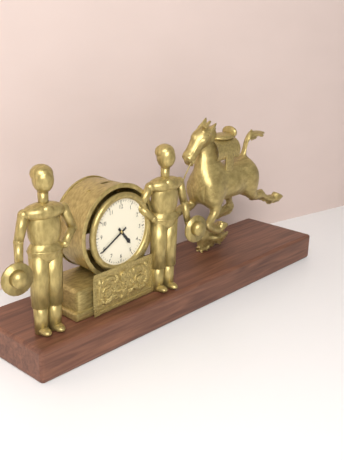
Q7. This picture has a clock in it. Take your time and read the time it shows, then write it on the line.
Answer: 4:40
